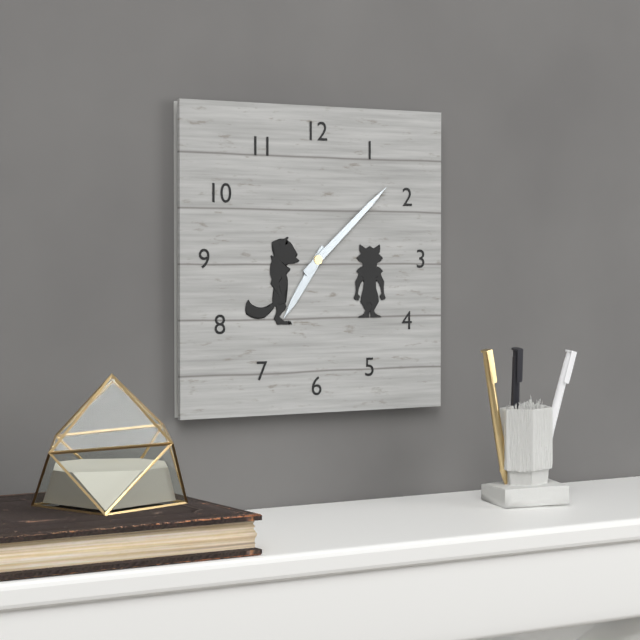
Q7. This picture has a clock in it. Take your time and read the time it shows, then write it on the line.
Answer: 7:08
